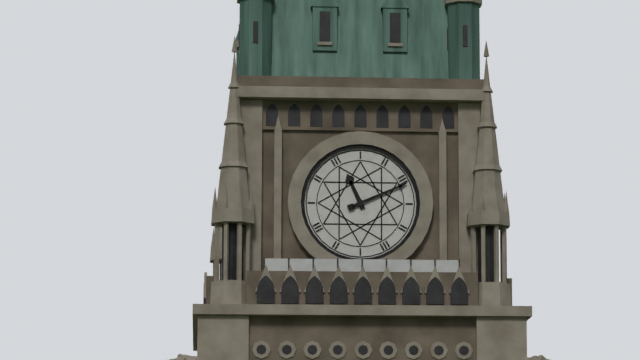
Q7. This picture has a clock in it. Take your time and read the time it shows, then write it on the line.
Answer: 11:11
